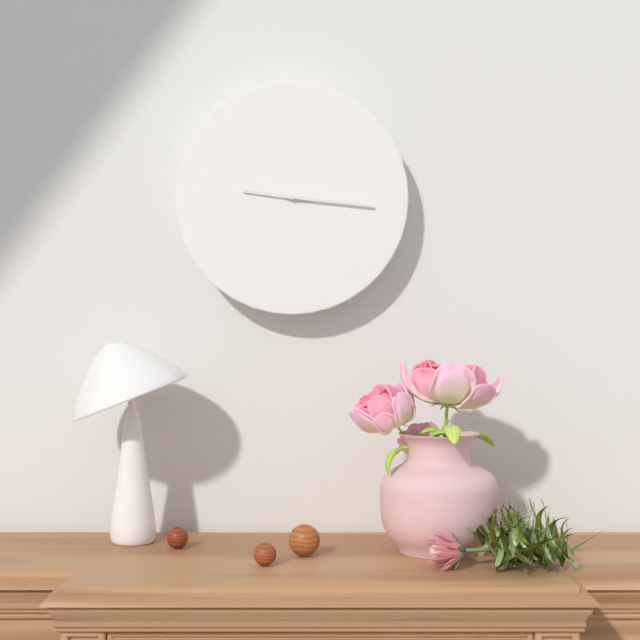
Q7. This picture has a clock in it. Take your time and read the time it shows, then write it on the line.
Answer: 9:16
